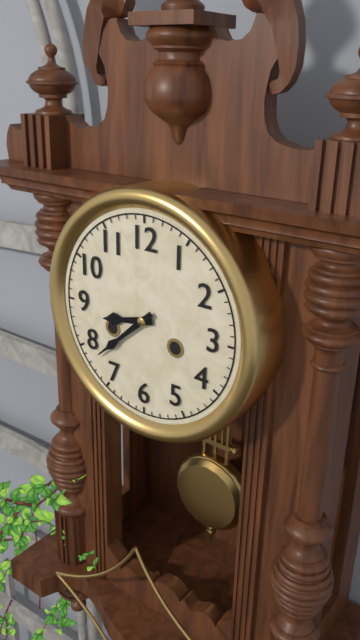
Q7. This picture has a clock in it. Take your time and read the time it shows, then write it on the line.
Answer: 8:38
